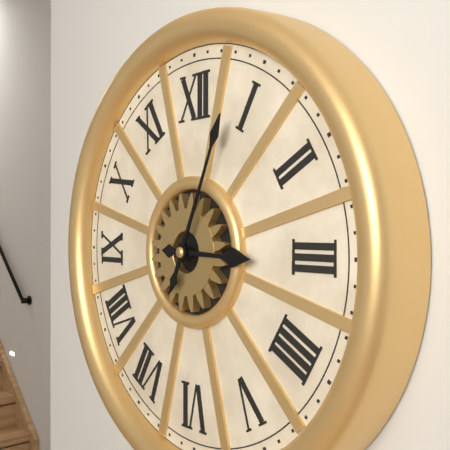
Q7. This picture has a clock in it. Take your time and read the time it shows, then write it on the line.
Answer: 3:04
